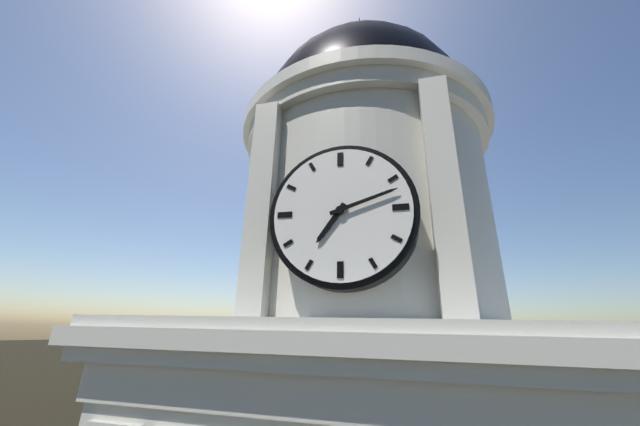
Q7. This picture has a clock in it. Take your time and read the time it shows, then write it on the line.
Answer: 7:12
